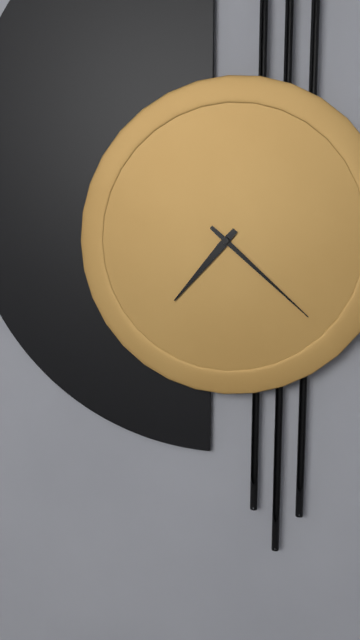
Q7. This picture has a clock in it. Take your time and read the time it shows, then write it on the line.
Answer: 7:22
